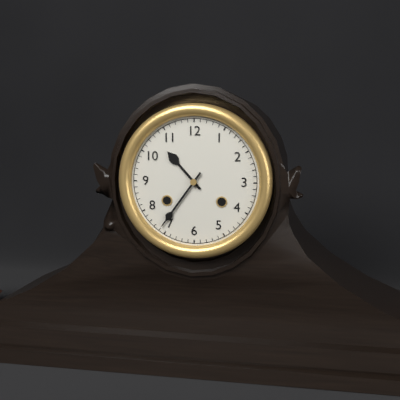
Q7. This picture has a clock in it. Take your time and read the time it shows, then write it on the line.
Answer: 10:36
